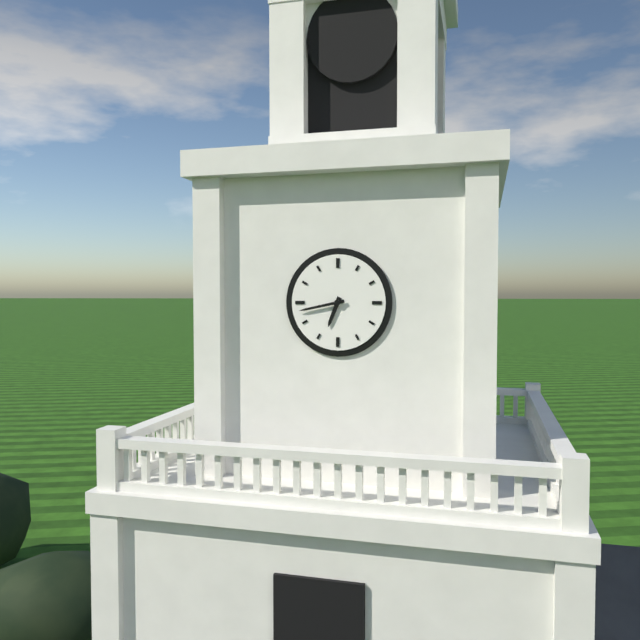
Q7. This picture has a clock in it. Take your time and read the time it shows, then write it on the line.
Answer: 6:43
